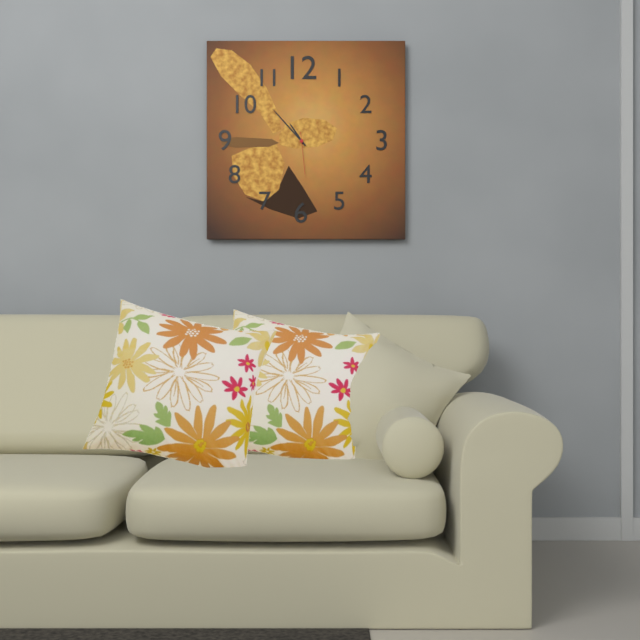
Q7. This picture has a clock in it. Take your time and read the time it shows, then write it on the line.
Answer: 10:53
